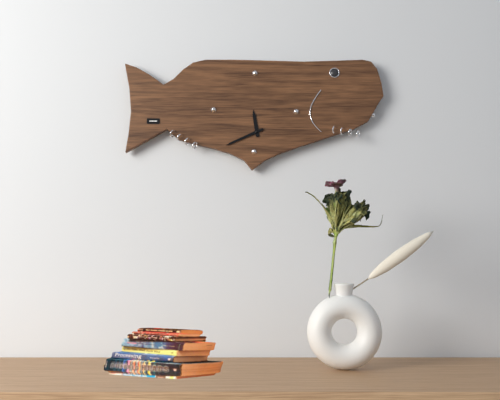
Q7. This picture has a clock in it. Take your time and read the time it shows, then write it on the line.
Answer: 11:41
